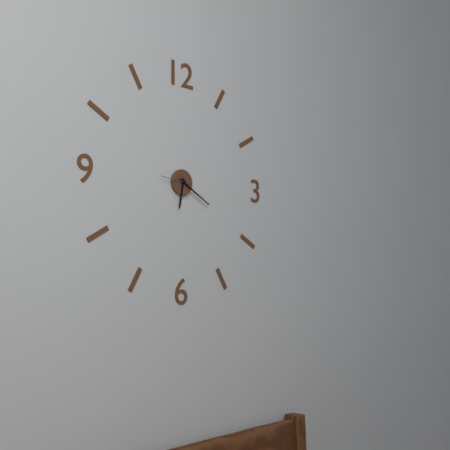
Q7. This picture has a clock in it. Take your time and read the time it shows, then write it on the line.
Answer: 6:20
